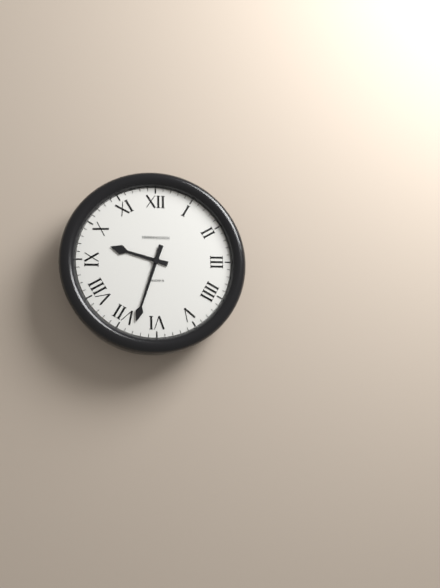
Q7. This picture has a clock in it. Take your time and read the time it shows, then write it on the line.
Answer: 9:33
